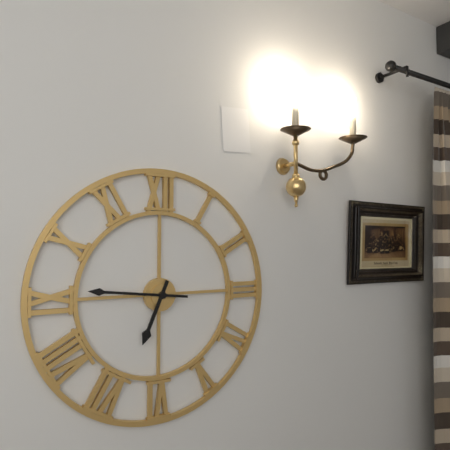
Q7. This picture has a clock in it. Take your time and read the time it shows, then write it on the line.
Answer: 6:46
